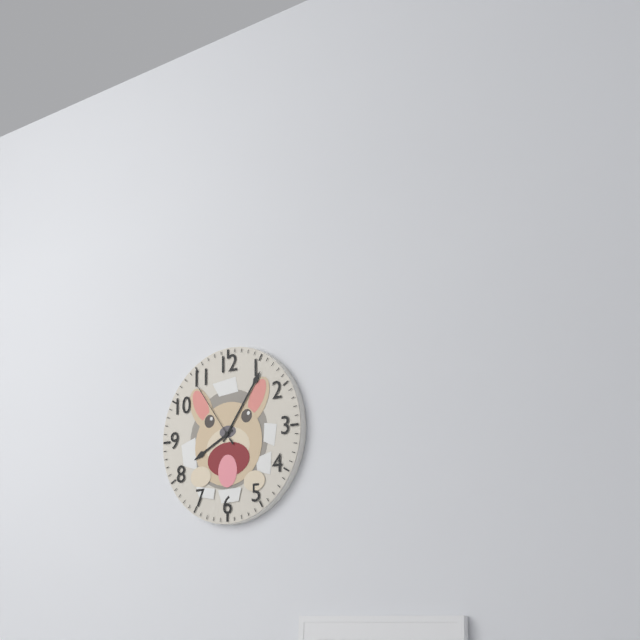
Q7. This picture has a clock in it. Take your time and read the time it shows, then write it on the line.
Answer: 8:06:54
